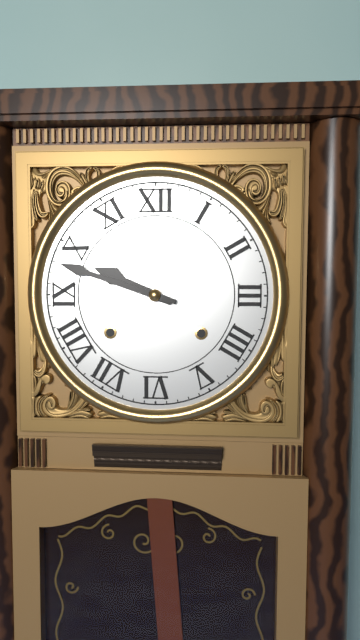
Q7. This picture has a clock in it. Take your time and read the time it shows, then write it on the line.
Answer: 9:48
